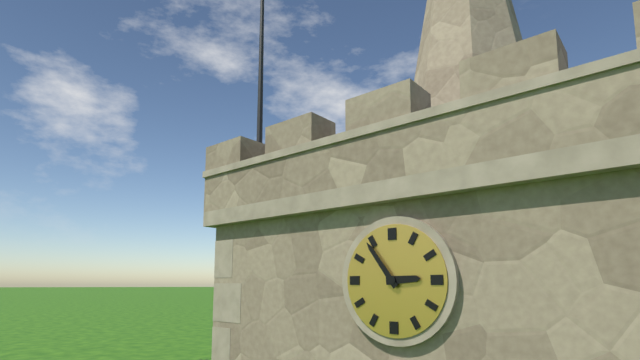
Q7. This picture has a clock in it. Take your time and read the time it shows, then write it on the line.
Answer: 2:54
